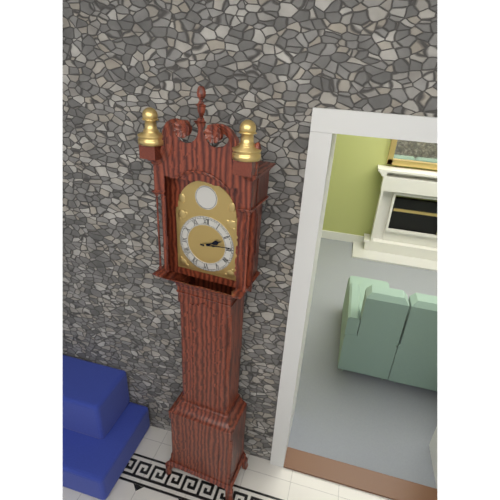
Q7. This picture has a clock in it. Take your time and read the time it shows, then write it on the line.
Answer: 2:14
